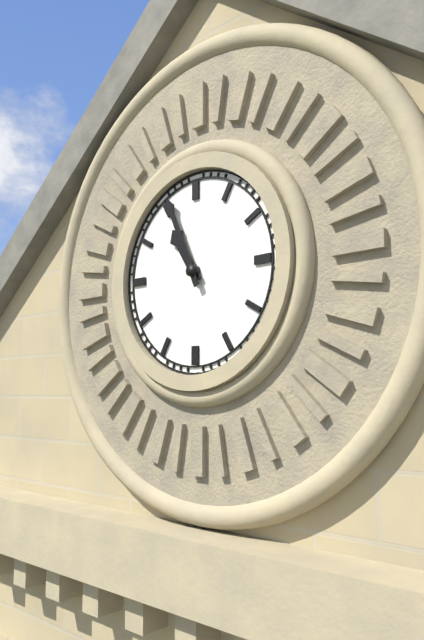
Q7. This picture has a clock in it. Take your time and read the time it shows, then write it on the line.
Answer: 10:56
